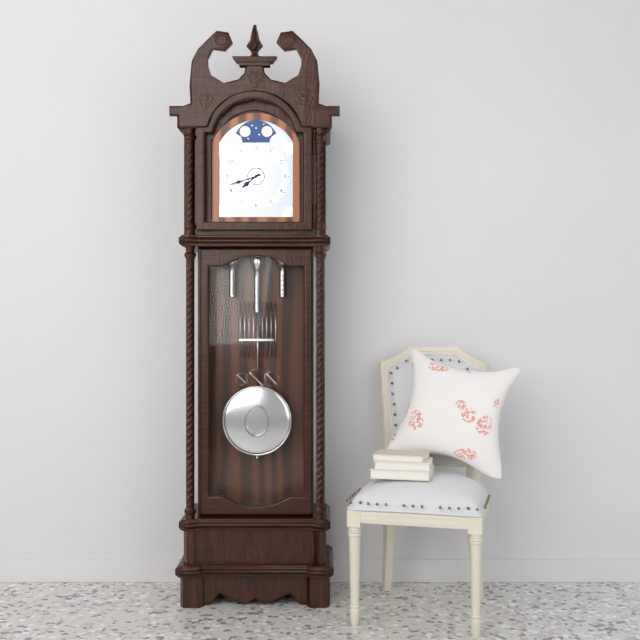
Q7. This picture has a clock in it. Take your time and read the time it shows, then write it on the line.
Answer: 7:42
